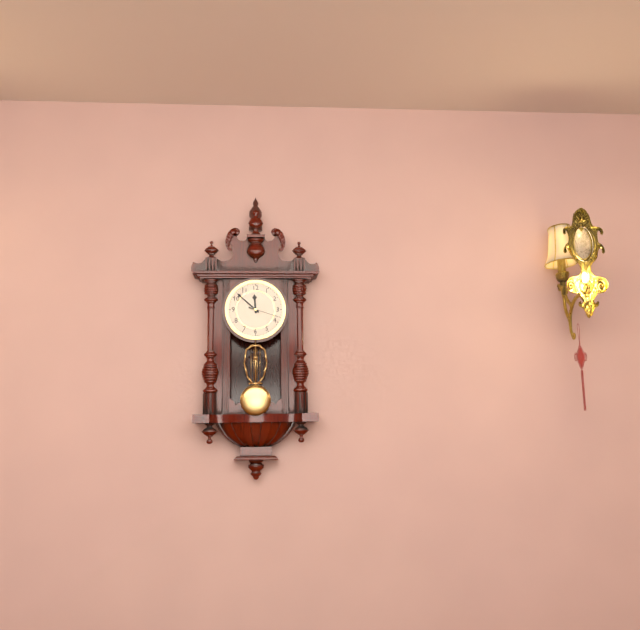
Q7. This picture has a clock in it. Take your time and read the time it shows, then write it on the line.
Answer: 11:52
